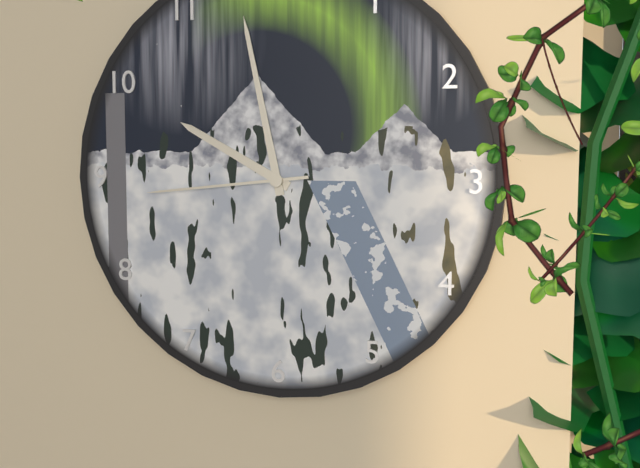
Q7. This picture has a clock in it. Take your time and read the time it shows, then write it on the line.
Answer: 9:58:44
